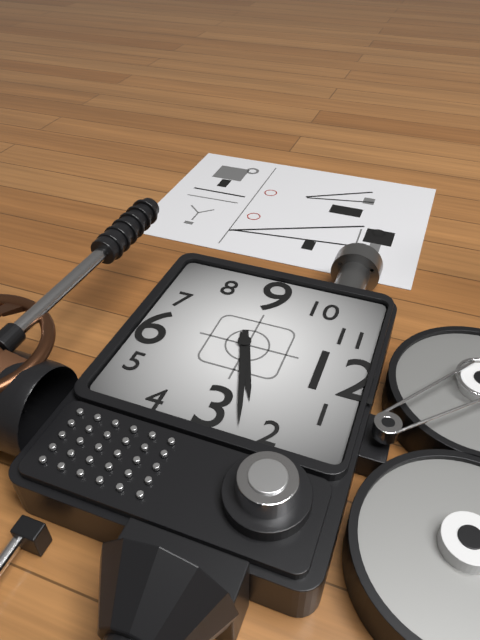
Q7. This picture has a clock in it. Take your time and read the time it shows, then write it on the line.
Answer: 2:12
